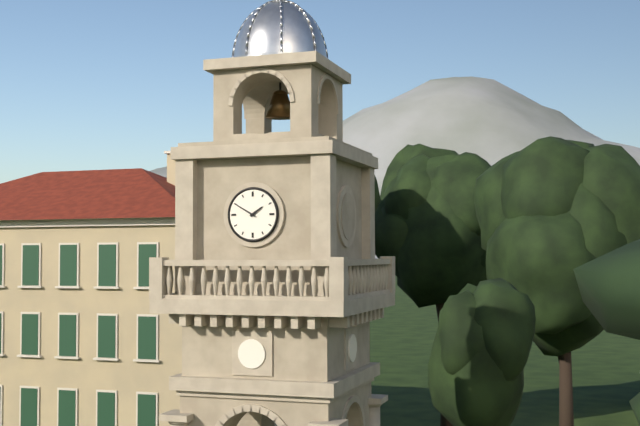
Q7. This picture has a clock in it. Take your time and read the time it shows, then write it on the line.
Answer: 1:50
